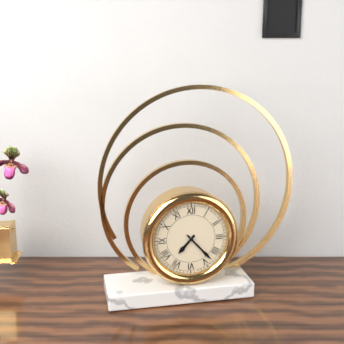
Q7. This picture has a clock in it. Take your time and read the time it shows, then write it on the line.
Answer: 7:23
